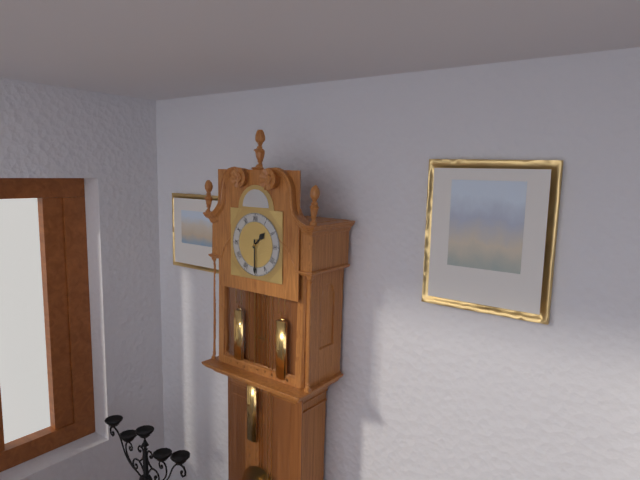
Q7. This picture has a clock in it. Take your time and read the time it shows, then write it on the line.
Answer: 1:30
